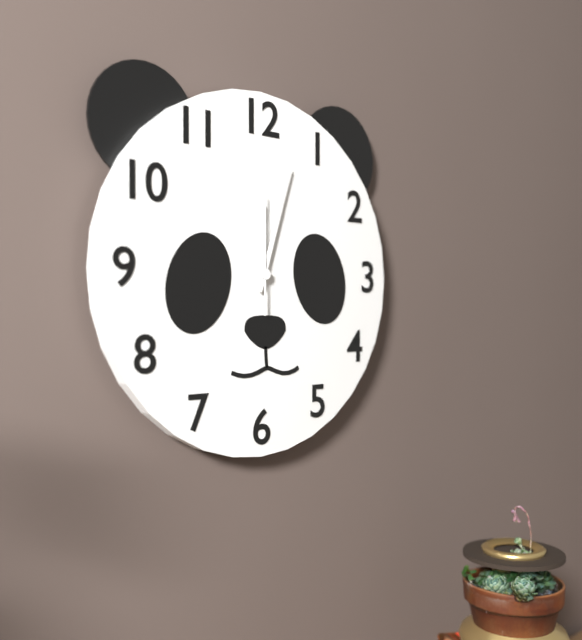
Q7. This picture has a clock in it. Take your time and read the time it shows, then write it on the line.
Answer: 12:03:00
